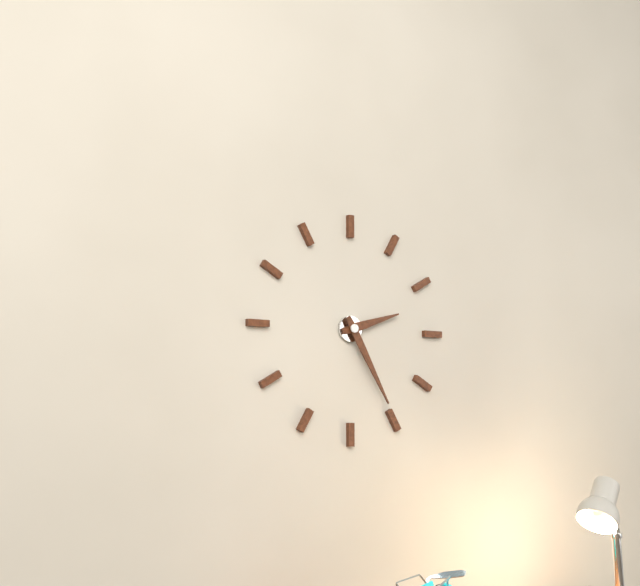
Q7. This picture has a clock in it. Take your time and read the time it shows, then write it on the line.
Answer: 2:25
